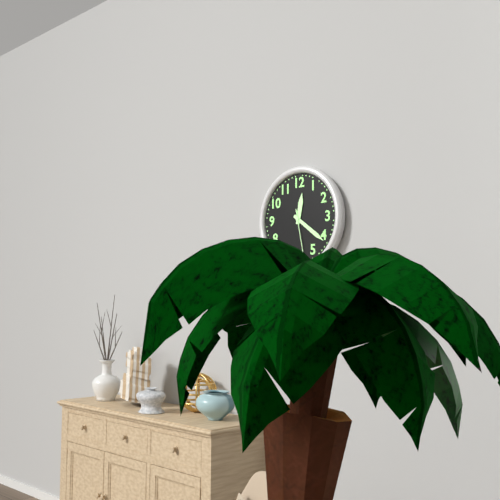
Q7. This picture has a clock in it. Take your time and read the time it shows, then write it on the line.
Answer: 12:21:28
